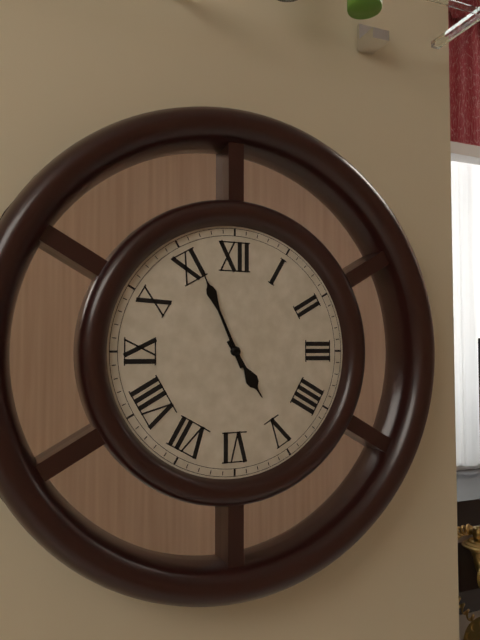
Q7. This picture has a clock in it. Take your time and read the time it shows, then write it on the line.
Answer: 4:56
